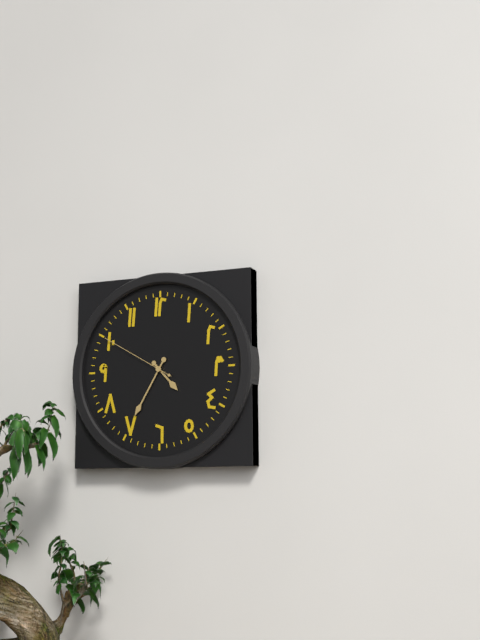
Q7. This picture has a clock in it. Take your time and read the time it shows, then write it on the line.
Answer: 4:35:50
